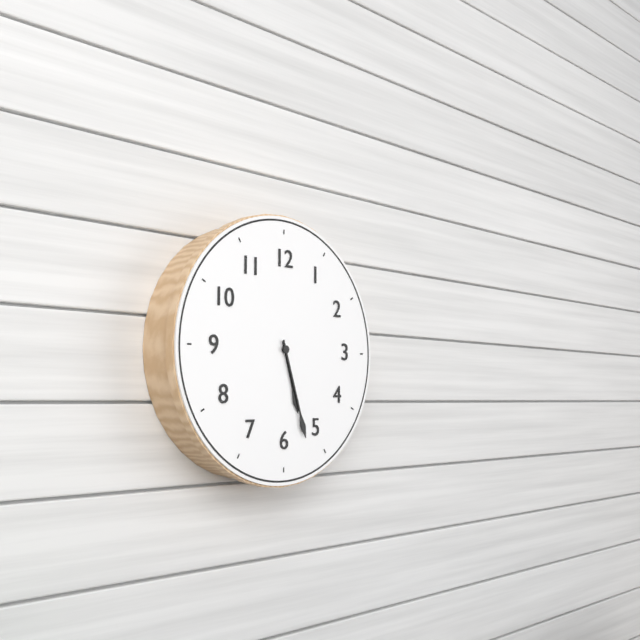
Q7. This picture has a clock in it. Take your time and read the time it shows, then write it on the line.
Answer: 5:27
